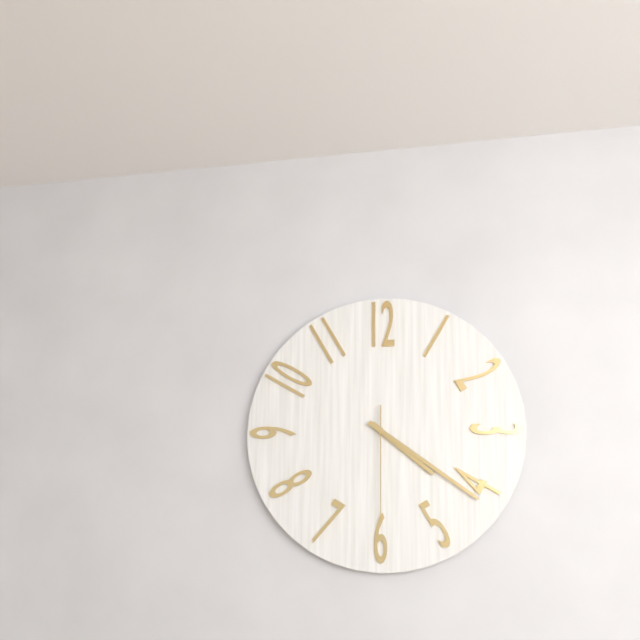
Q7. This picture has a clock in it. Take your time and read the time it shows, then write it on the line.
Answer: 4:21:30
